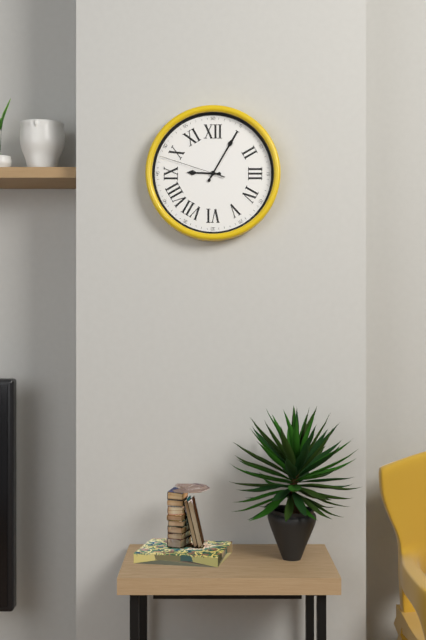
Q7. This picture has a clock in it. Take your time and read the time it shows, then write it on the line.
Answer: 9:05:48
